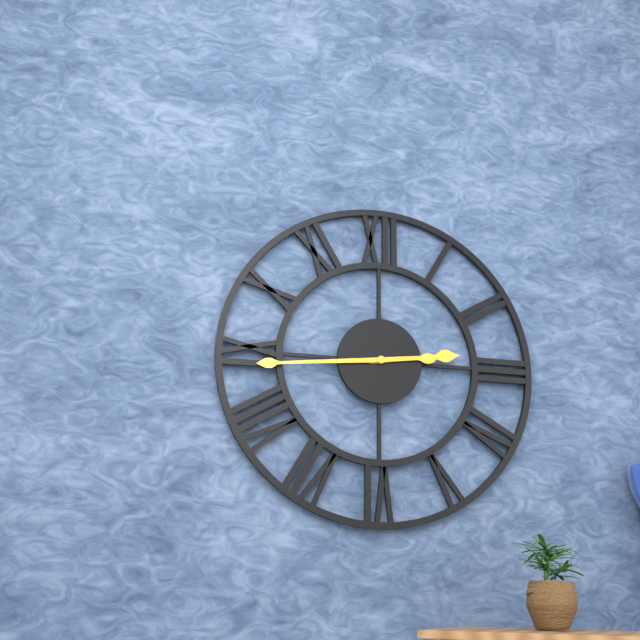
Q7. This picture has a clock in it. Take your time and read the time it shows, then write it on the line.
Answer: 2:44
